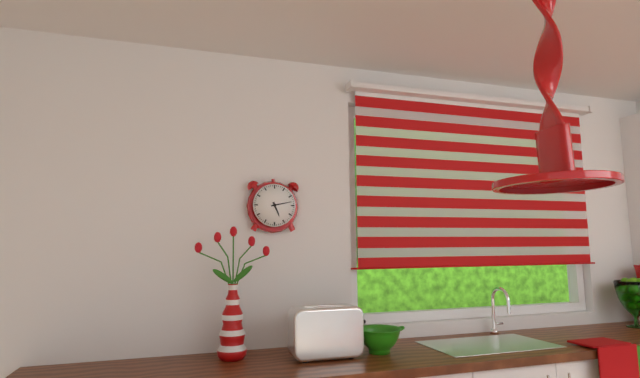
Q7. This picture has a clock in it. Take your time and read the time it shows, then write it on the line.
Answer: 5:13
